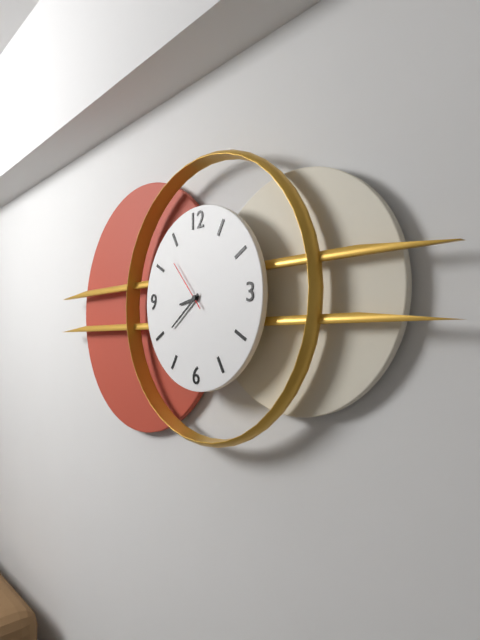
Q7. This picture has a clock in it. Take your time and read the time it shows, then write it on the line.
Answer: 8:39:53
